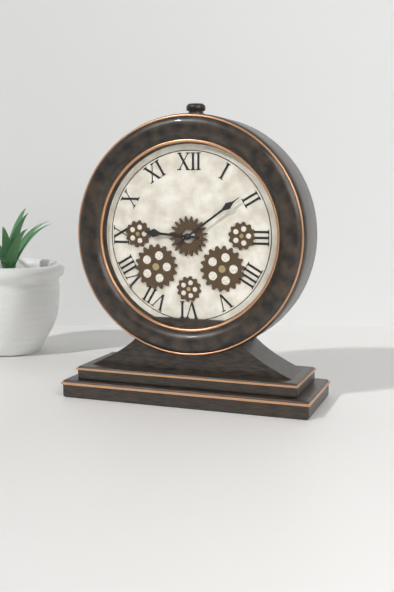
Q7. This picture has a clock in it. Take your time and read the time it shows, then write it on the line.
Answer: 9:09
